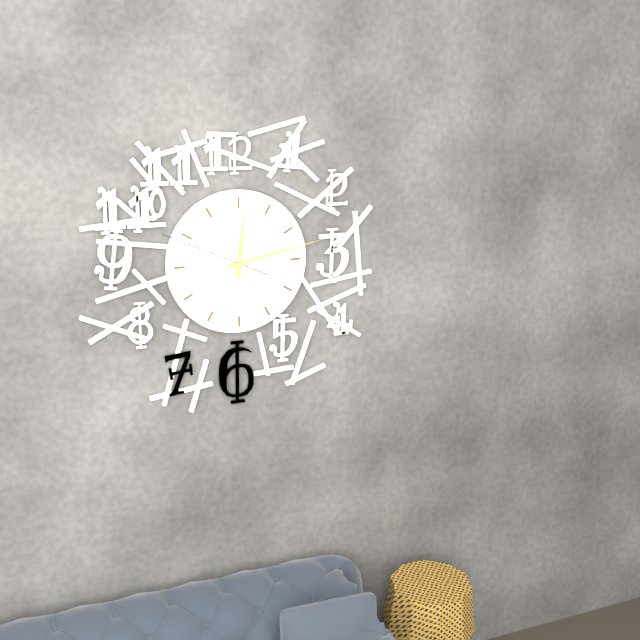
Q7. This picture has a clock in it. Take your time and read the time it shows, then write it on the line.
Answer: 12:13:49
